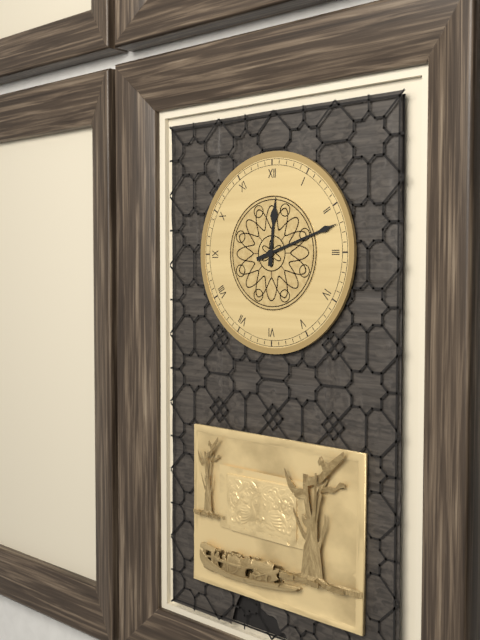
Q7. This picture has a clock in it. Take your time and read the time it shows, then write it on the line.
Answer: 12:12
